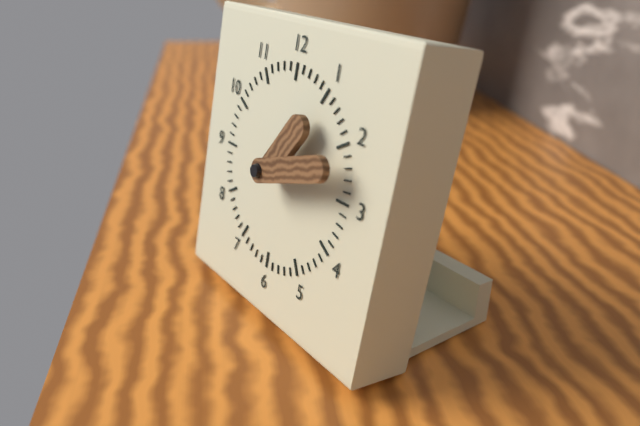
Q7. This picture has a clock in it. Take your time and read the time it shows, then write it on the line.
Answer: 1:12
